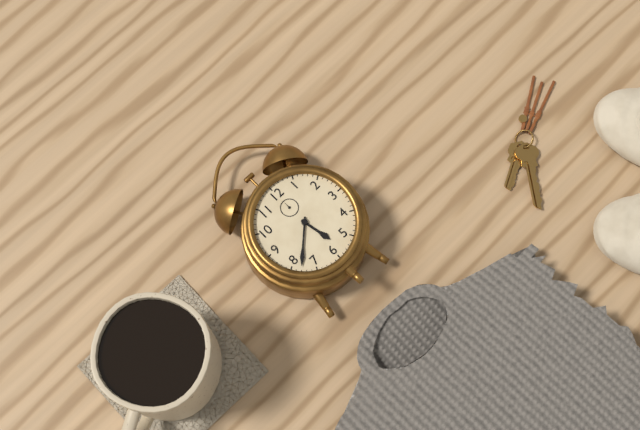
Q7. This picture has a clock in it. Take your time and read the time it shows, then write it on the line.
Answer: 5:38
